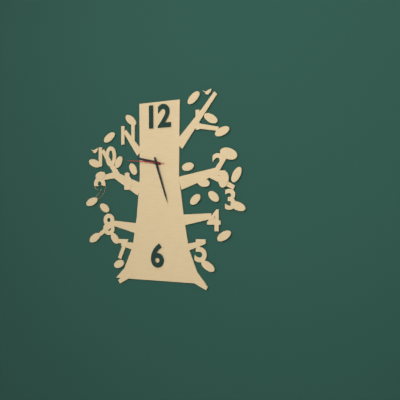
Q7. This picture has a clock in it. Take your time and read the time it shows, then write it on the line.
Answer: 9:27
